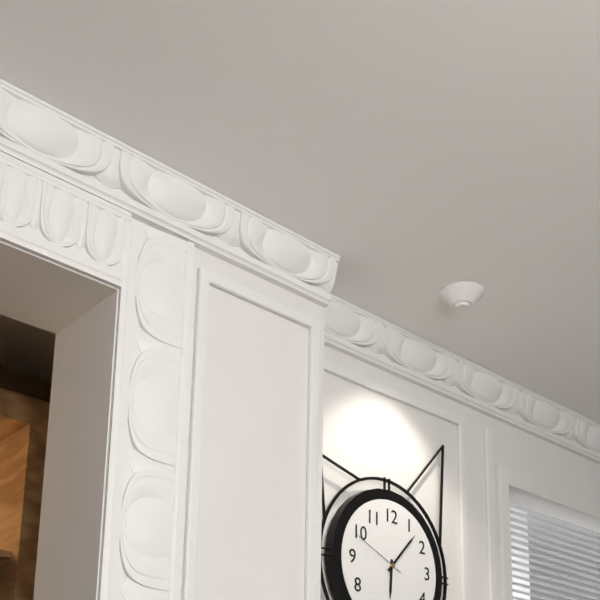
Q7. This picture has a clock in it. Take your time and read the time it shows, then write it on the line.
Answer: 6:07:49
